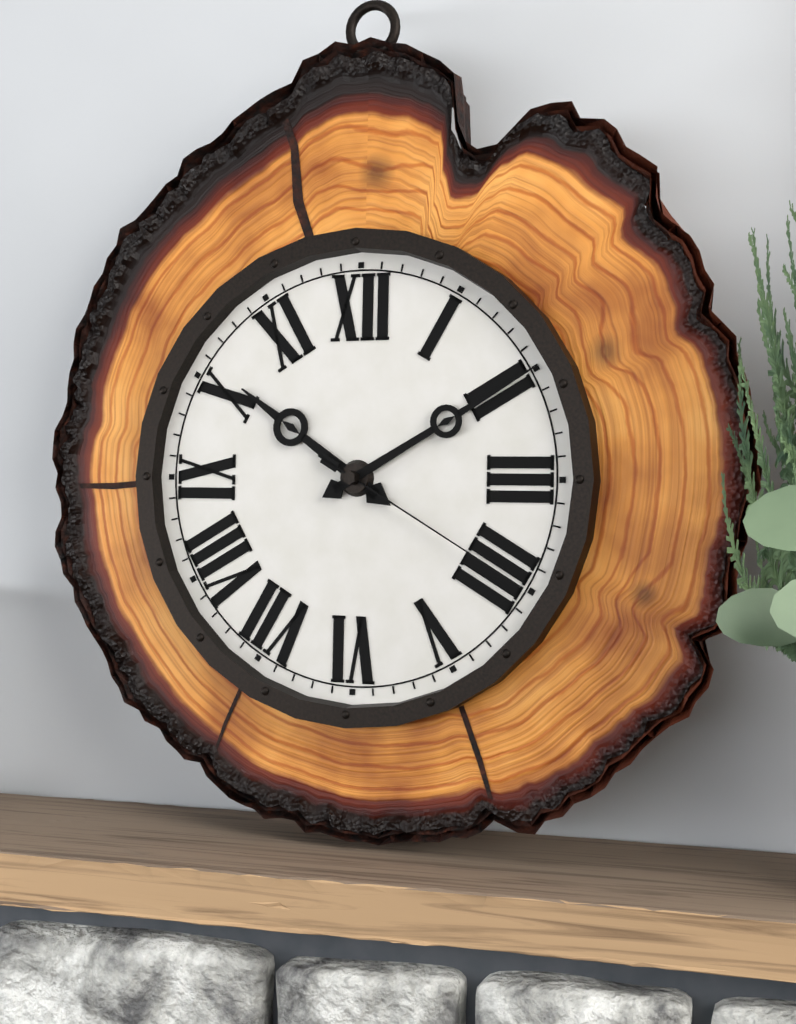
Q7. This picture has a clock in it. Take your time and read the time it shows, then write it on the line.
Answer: 10:10:20
